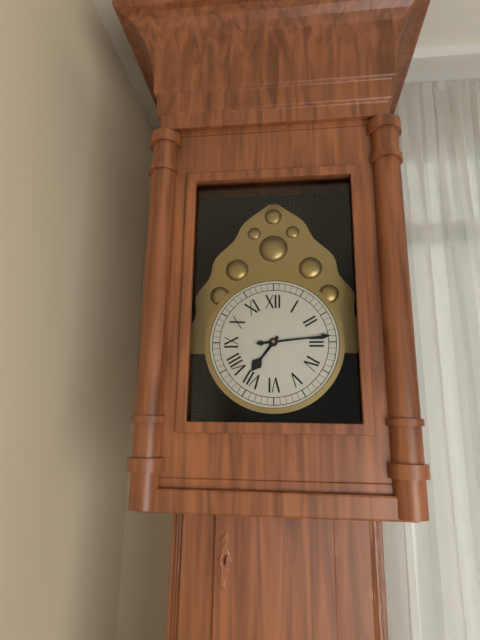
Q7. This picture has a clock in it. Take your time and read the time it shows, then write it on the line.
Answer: 7:14
